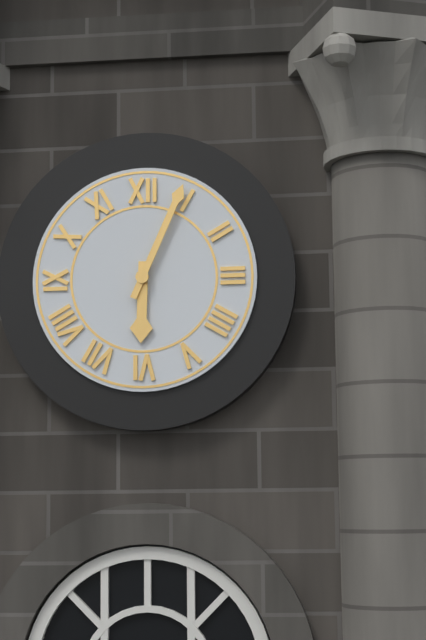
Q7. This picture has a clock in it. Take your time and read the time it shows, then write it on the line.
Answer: 6:04
